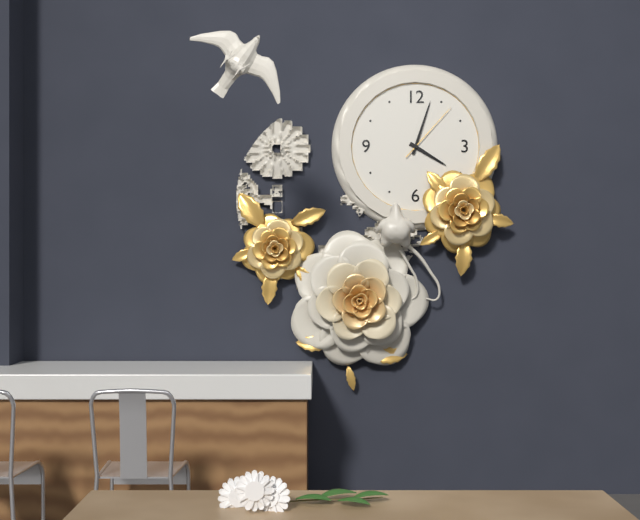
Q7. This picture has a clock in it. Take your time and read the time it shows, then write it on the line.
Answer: 4:03:07
